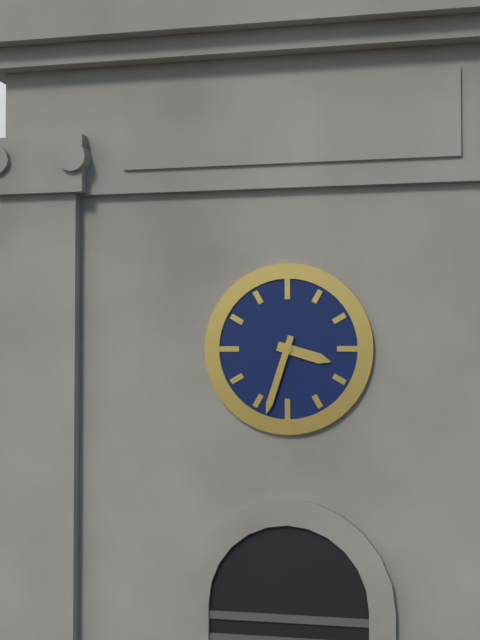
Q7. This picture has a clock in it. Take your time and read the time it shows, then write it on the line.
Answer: 3:33
